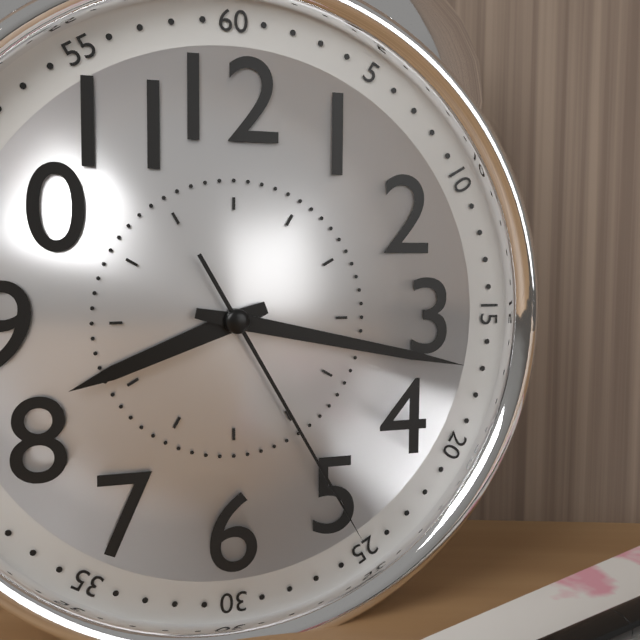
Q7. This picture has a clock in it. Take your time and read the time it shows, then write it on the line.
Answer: 8:17:25
